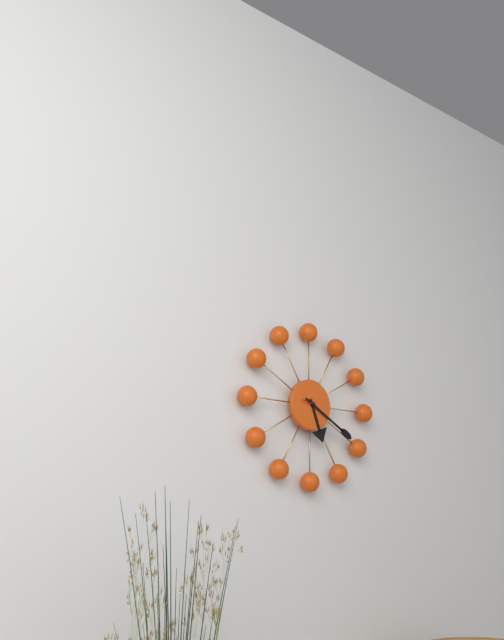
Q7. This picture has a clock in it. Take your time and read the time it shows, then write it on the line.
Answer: 5:20
